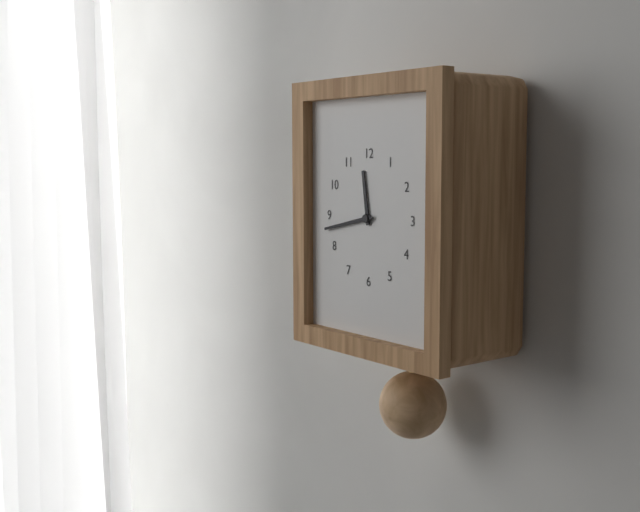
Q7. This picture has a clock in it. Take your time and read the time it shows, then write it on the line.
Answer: 11:43
